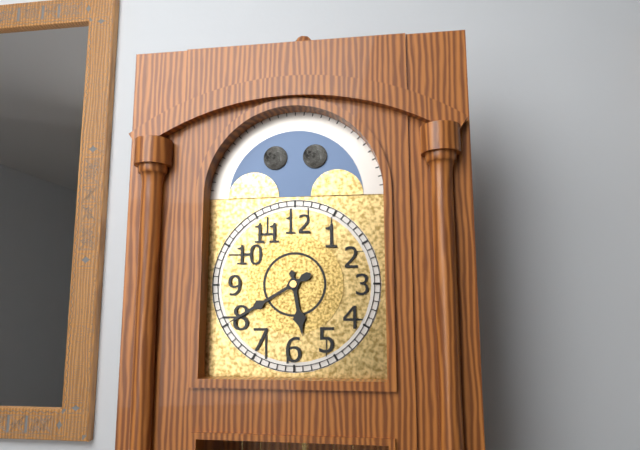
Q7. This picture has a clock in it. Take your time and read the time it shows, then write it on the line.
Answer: 5:40
